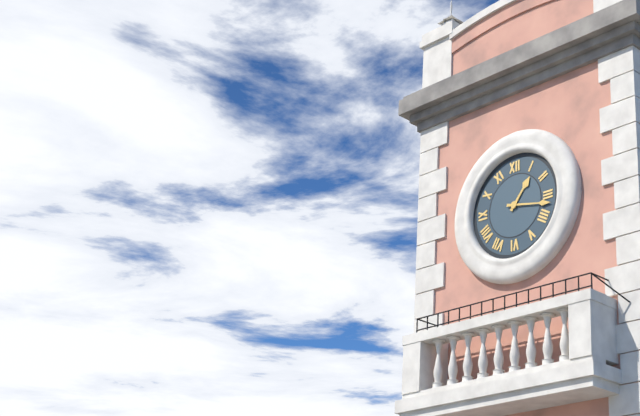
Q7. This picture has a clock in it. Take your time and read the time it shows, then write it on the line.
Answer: 1:17
